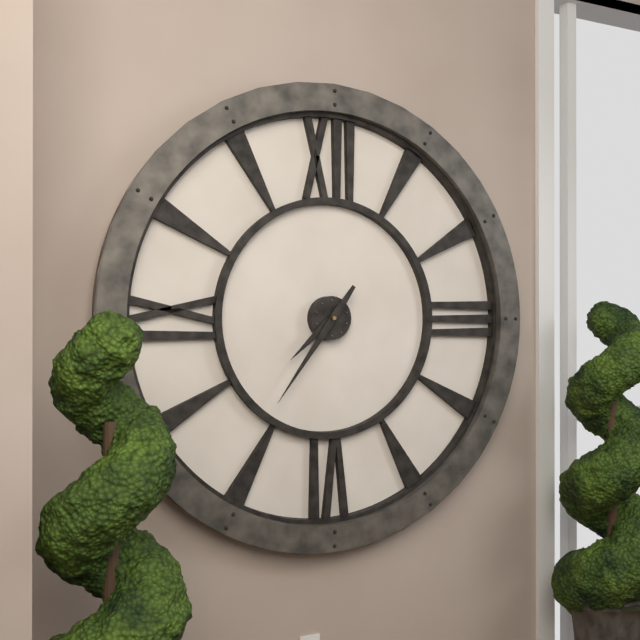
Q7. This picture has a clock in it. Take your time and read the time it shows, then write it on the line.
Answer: 7:36
